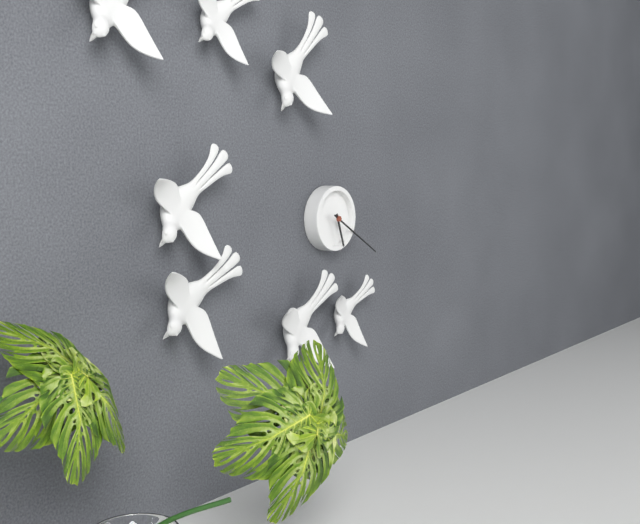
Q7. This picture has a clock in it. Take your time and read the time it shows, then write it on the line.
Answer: 5:20
